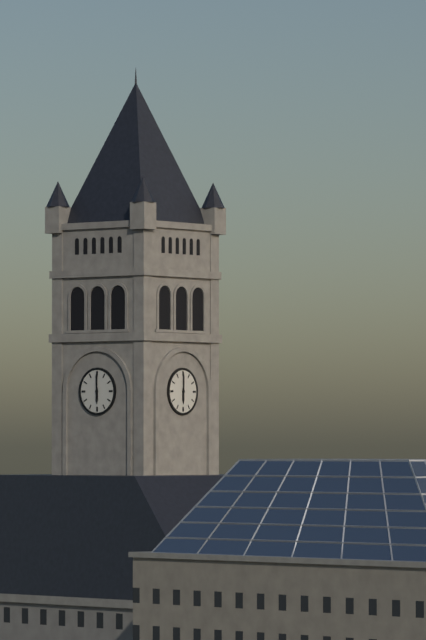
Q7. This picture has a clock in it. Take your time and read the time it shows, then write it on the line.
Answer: 6:00
